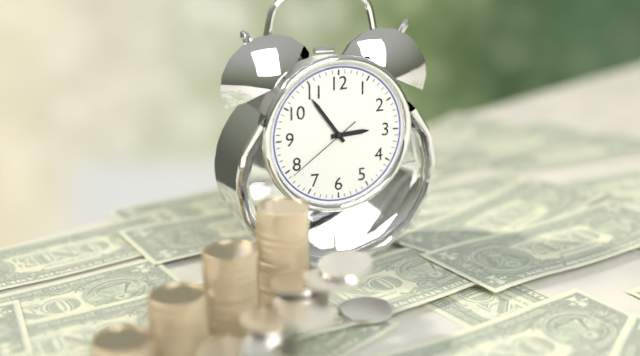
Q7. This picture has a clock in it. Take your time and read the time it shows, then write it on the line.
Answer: 2:54:39
